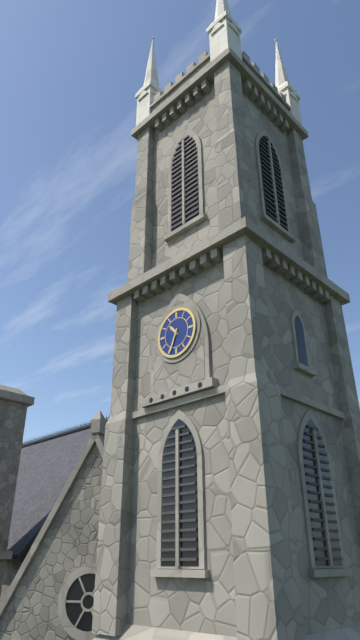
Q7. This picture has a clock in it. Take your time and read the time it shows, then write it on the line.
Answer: 10:34
